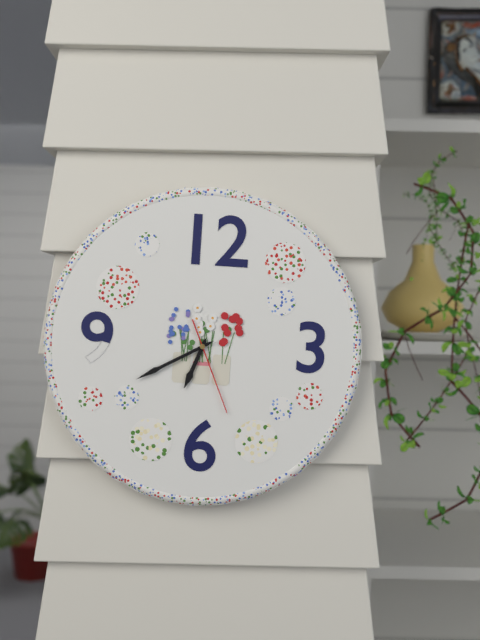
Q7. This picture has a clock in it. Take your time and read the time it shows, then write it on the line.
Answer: 6:40:26
